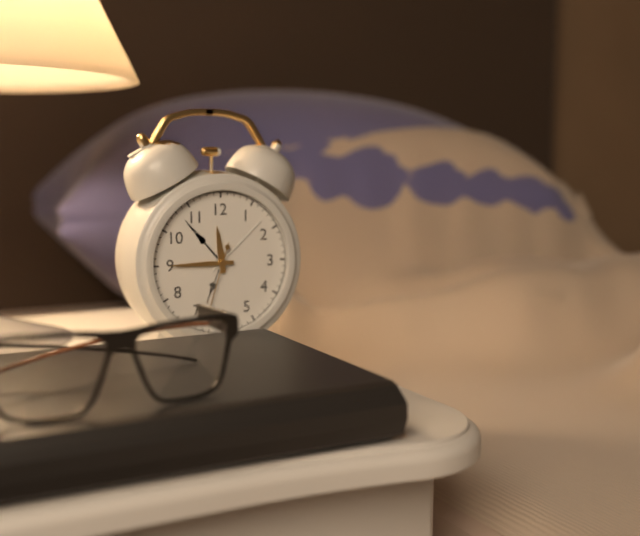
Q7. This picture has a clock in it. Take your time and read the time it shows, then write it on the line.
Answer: 11:45:33
